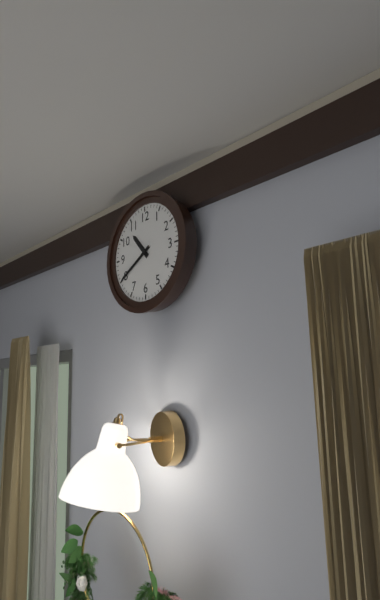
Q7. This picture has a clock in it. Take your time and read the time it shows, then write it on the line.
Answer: 10:40
